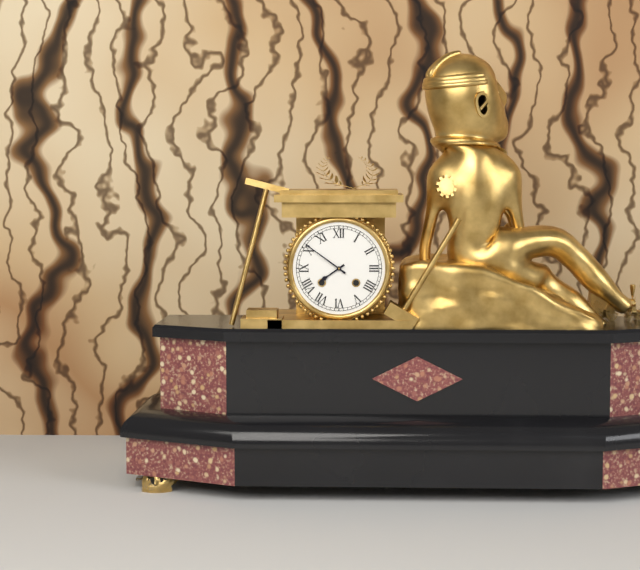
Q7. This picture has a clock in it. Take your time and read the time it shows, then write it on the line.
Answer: 7:51
